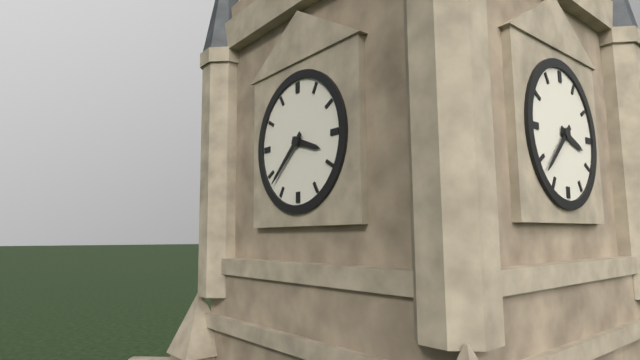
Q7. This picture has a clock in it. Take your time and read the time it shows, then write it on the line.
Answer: 3:38
